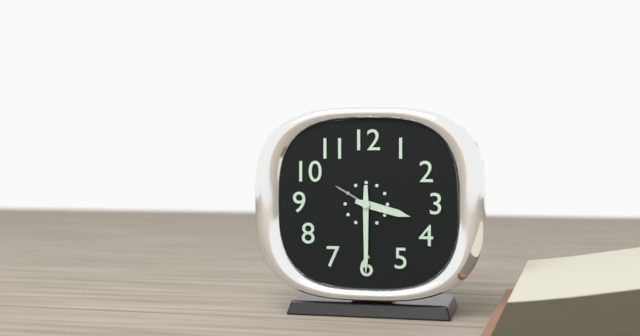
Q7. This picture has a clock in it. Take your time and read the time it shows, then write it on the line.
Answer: 3:30
